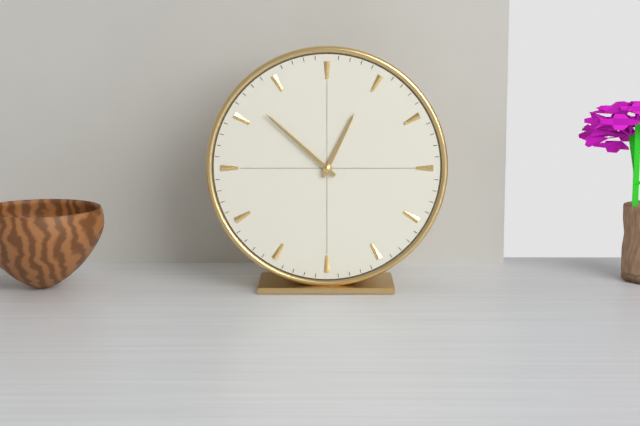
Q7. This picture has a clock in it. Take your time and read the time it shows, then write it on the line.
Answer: 12:52
